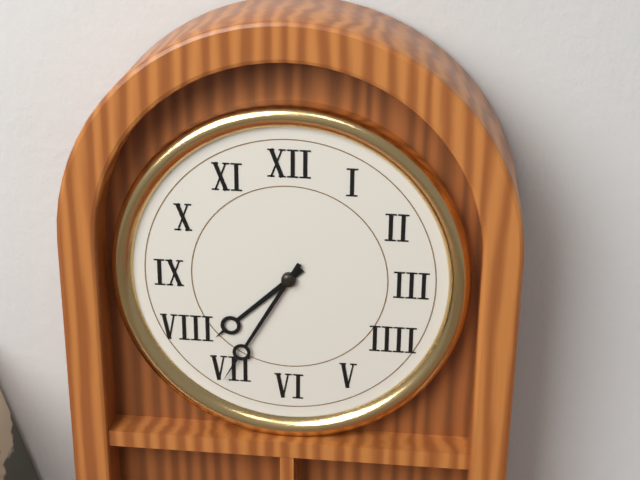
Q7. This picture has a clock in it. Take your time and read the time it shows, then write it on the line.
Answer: 7:35
